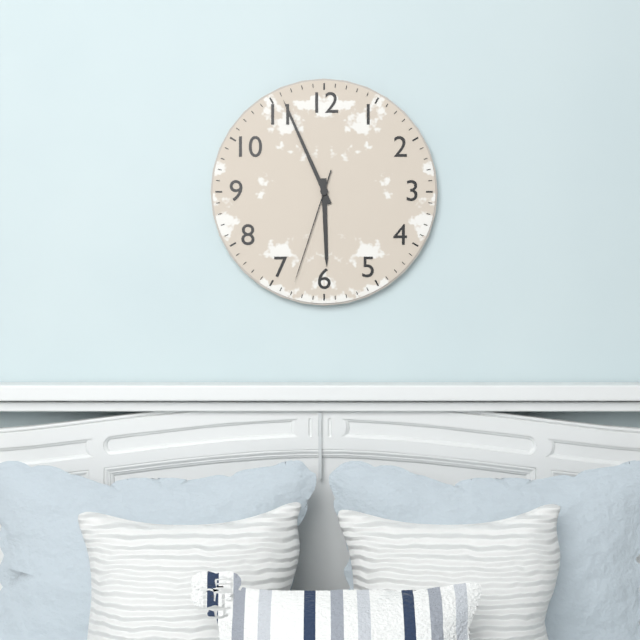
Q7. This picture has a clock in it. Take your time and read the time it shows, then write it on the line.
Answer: 5:56:33
